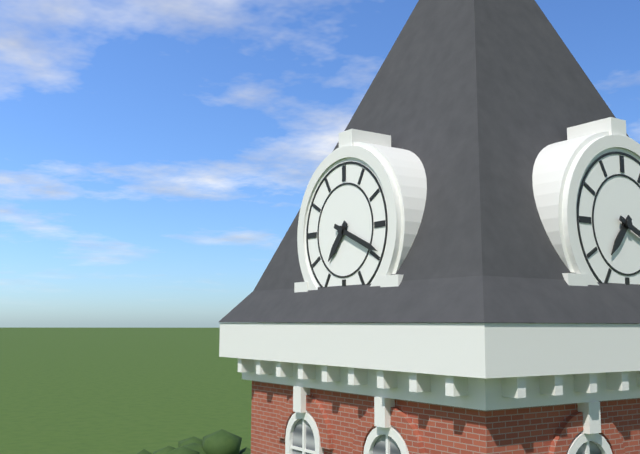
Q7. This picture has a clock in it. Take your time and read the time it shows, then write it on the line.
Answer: 7:19
